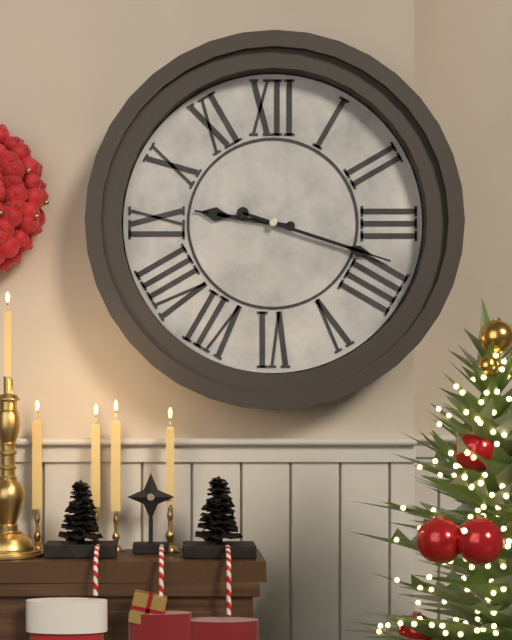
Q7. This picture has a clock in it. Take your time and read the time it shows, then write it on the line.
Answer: 9:18
